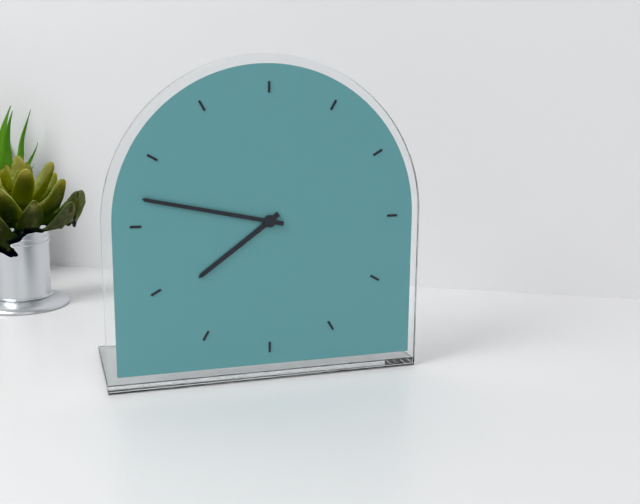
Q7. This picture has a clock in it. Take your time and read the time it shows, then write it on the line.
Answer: 7:47
